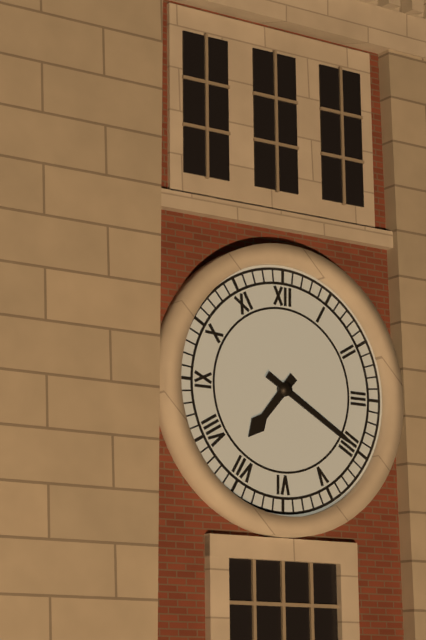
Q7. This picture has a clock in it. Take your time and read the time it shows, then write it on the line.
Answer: 7:20
